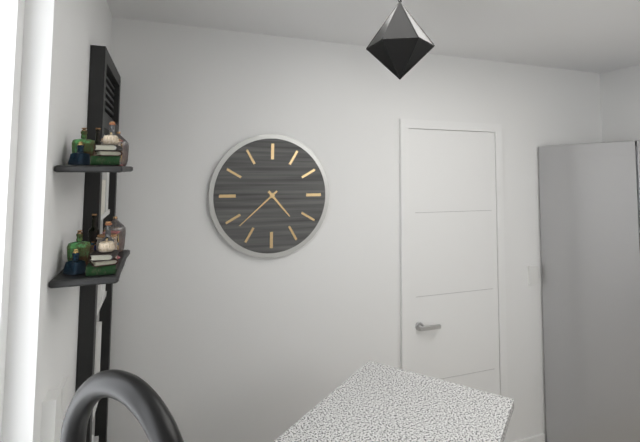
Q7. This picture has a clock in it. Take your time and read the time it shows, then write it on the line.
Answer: 4:38
